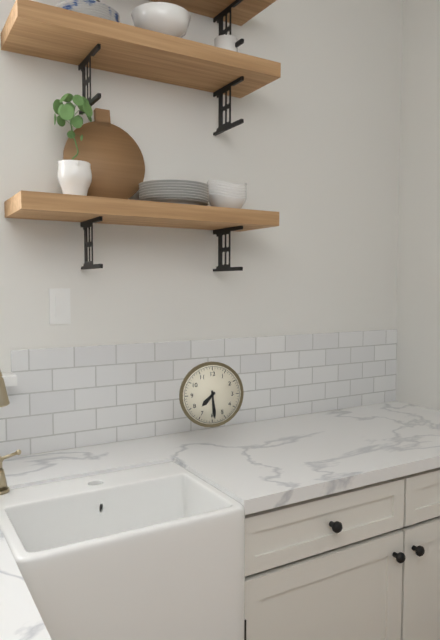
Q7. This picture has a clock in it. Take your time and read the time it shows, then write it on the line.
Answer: 7:29
